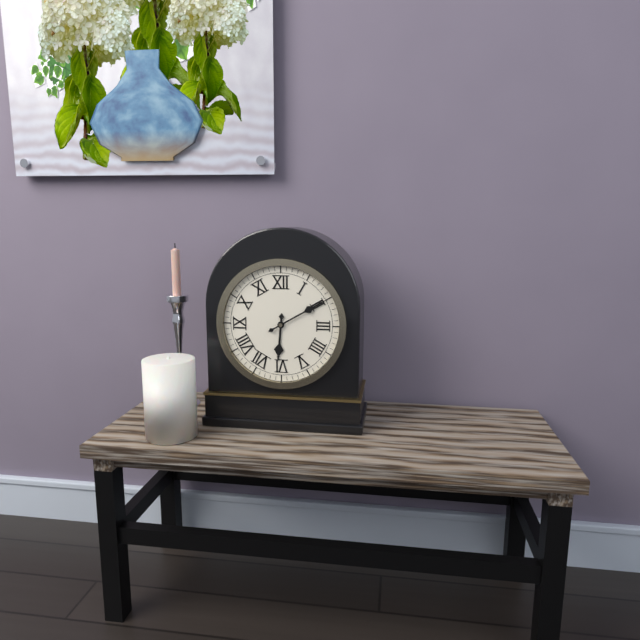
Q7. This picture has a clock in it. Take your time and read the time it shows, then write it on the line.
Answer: 6:10
